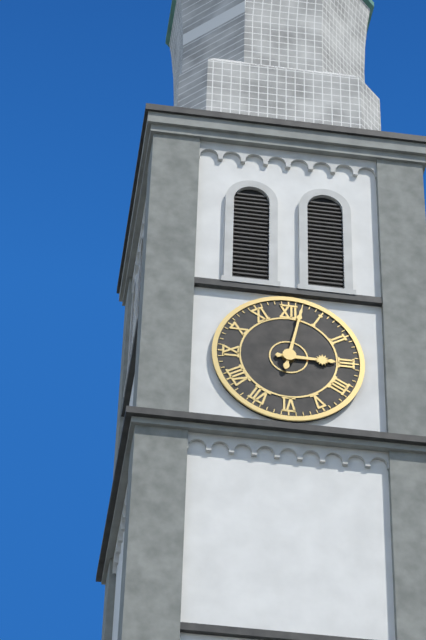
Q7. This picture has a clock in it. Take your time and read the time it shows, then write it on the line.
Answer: 3:02
